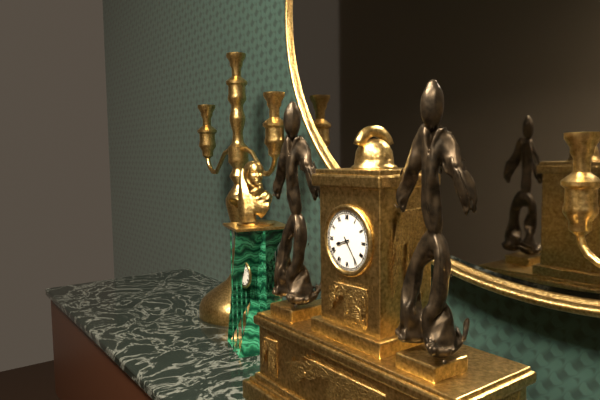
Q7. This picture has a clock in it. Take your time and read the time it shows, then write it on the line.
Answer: 8:24
